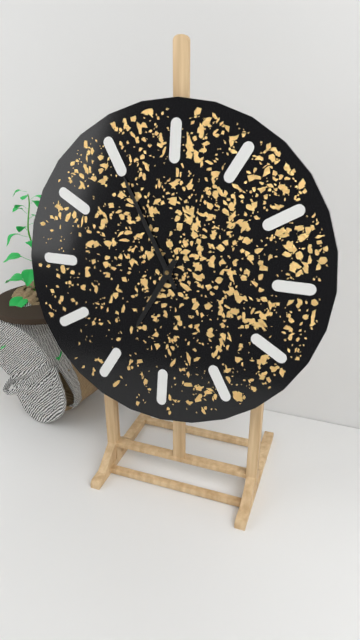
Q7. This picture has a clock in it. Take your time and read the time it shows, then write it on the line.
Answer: 6:55
